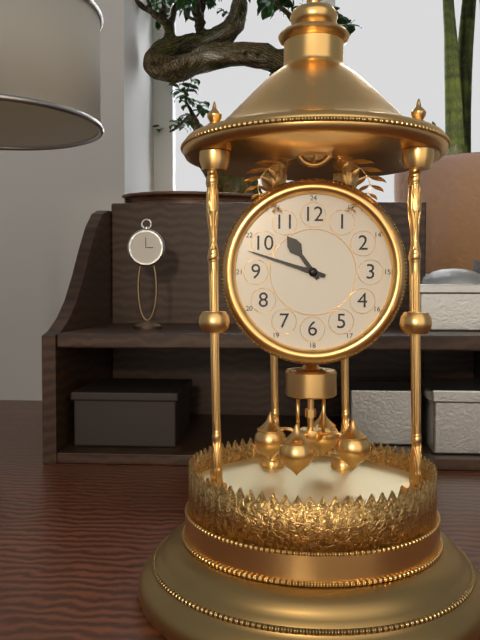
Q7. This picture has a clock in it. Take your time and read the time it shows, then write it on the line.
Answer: 10:48
